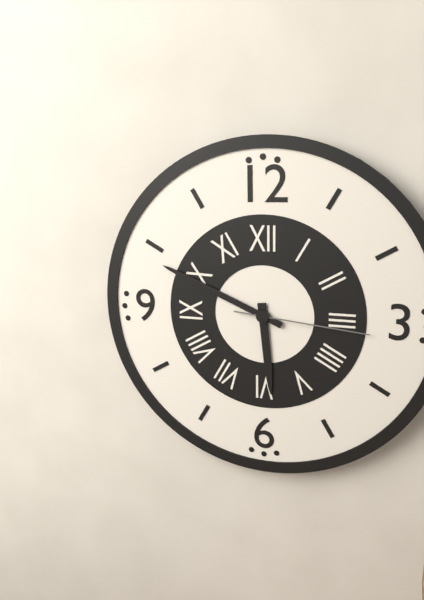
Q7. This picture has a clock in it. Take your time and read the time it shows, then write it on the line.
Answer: 5:49:16
